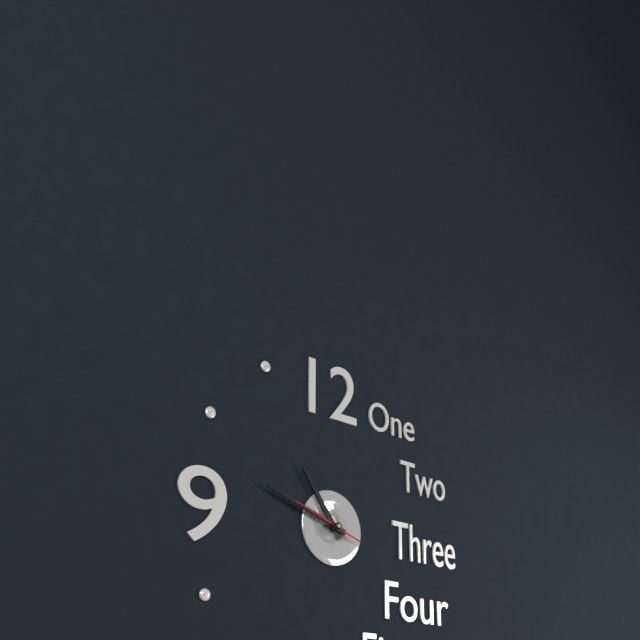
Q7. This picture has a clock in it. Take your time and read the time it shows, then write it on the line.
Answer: 10:48:48
